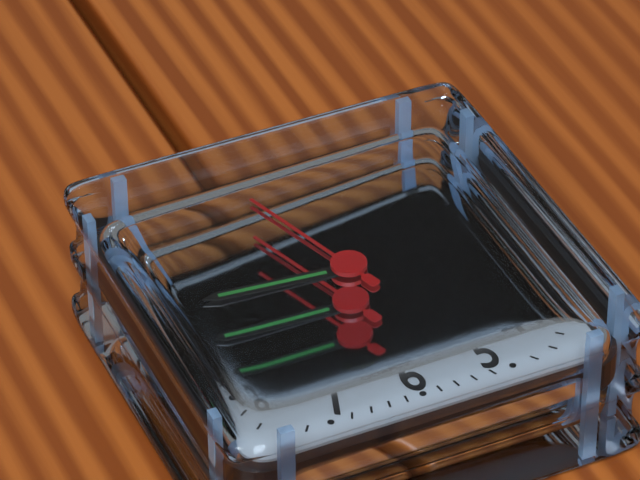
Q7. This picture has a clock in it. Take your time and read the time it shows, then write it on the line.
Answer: 10:46:57
